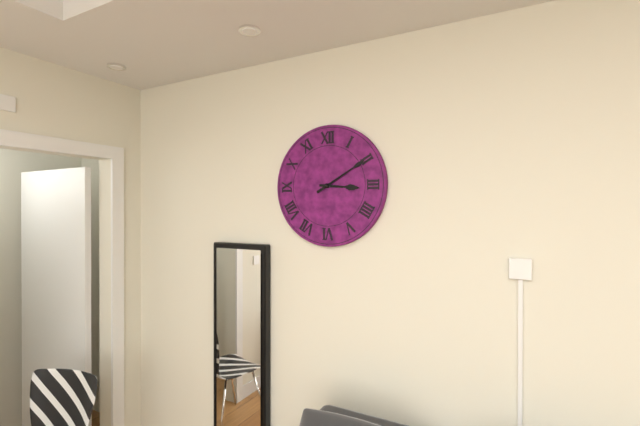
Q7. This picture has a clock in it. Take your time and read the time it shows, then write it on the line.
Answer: 3:10
